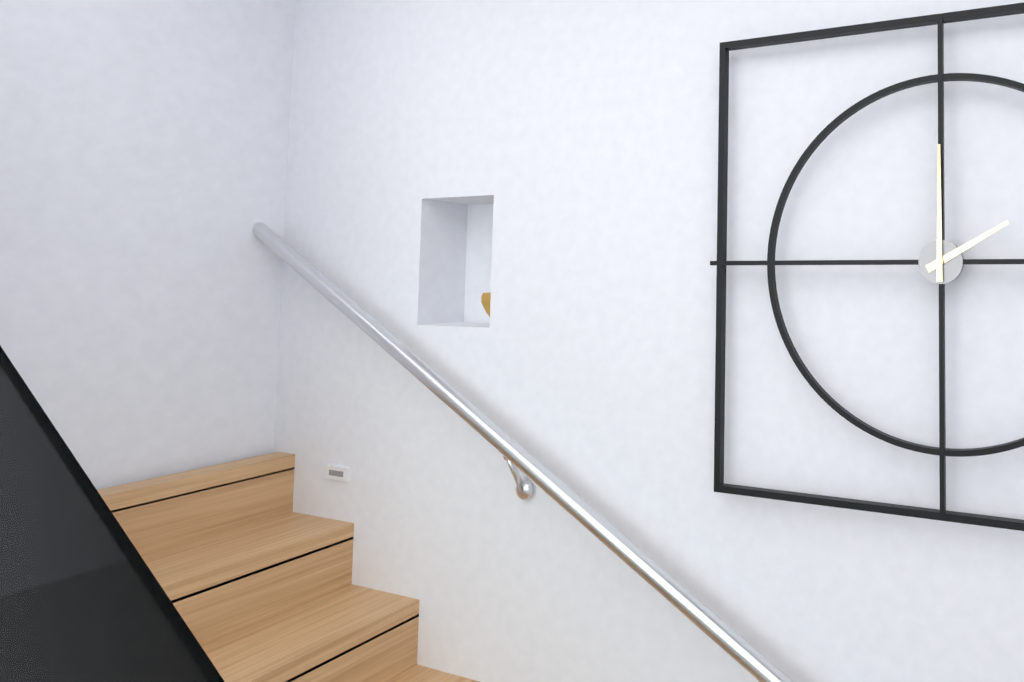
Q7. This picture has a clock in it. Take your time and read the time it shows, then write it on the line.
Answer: 2:00
